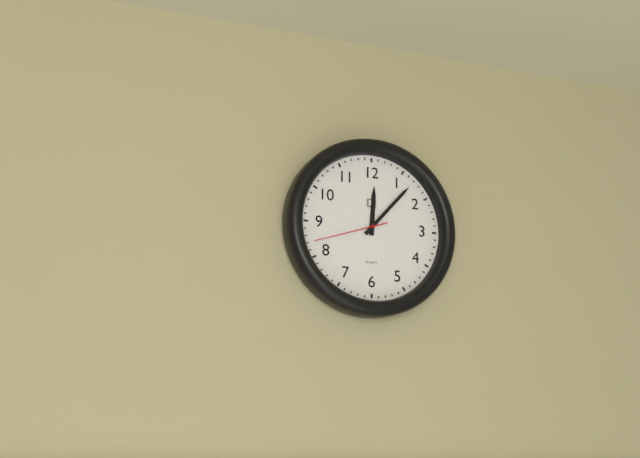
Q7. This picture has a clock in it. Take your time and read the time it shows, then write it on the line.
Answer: 12:07:42
